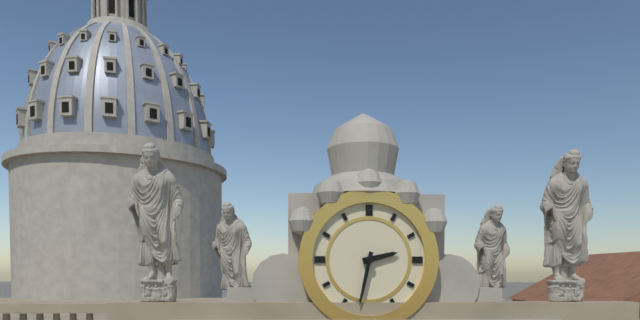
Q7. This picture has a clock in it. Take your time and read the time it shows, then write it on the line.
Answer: 2:32
